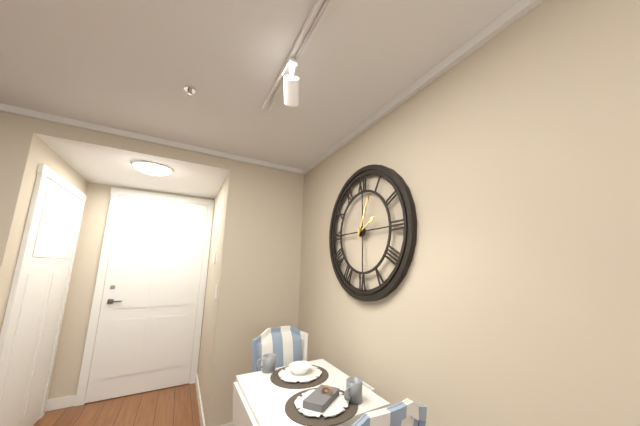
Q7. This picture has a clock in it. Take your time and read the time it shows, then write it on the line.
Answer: 2:04
